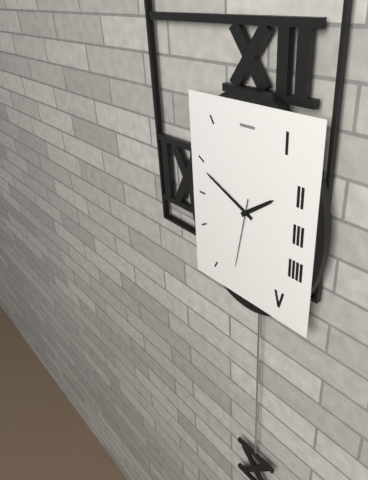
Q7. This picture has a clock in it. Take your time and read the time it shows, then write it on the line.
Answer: 1:49:32
